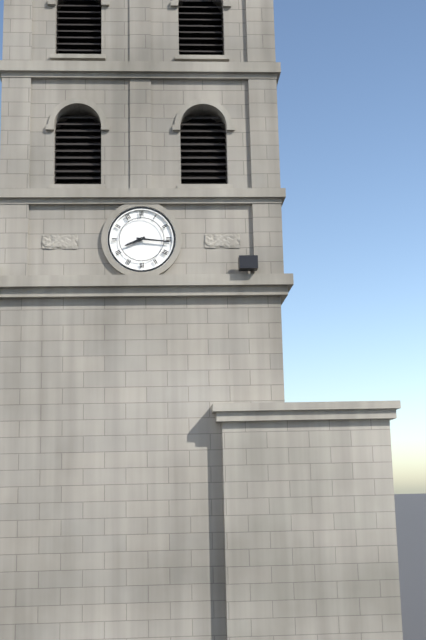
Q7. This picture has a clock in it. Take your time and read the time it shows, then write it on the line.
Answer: 8:16
